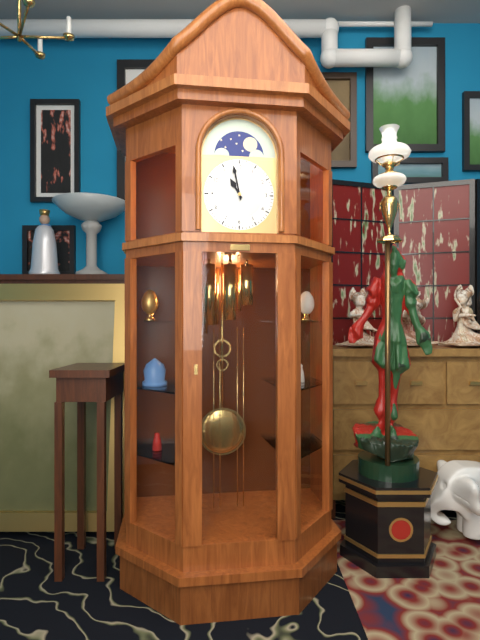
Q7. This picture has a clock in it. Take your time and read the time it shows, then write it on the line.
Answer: 10:58
